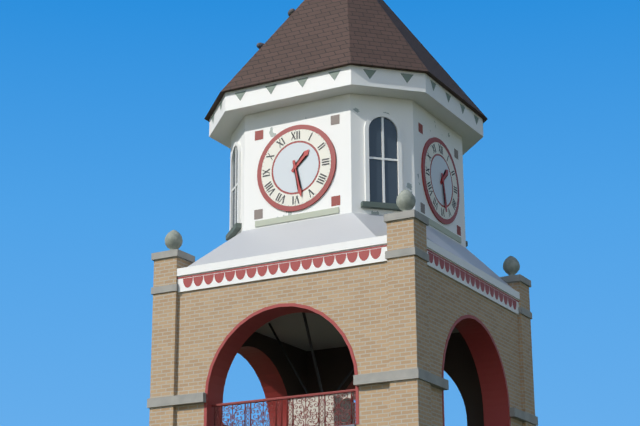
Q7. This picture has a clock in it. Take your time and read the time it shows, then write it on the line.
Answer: 1:28
